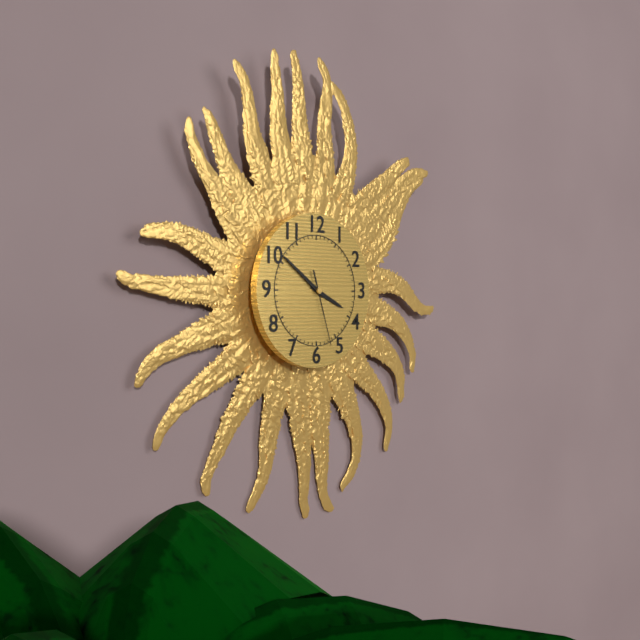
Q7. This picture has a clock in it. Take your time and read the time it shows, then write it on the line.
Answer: 3:51:27
